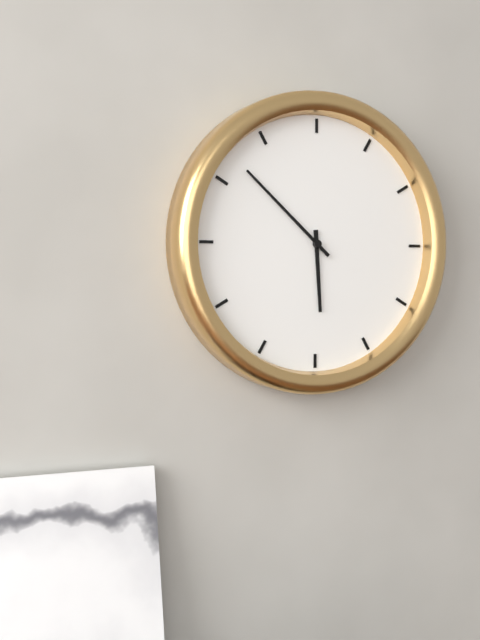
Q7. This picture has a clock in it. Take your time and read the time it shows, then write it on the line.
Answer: 5:52
